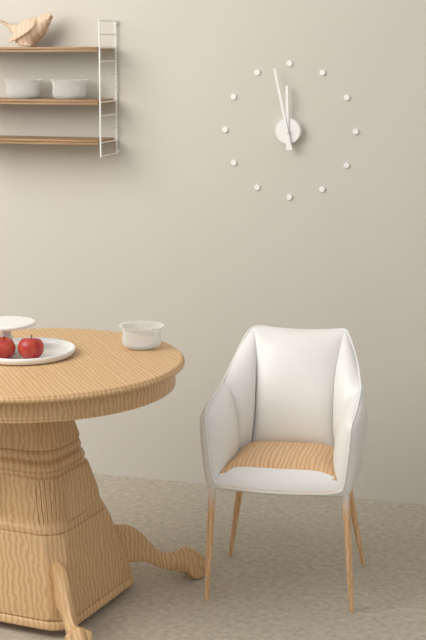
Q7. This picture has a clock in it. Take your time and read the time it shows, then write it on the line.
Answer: 11:58
